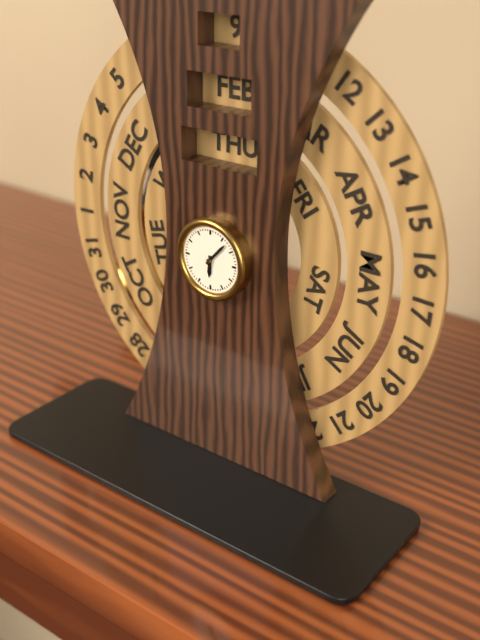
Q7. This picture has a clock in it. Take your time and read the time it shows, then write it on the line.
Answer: 6:07
